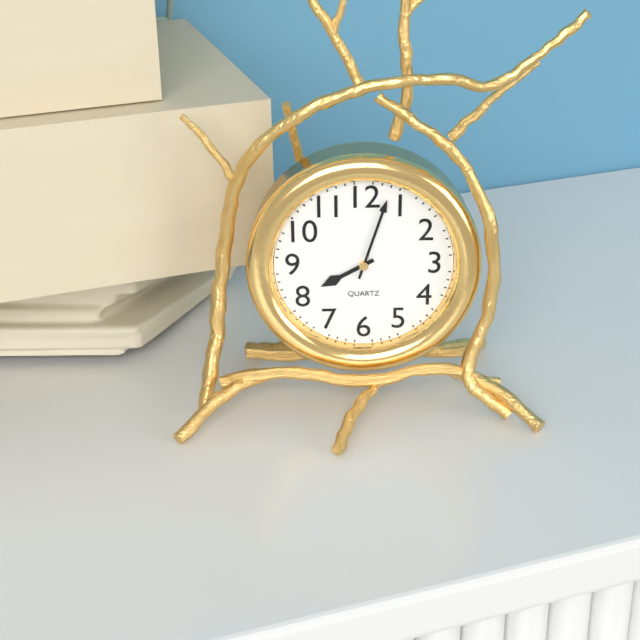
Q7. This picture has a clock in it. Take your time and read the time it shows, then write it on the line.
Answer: 8:03
